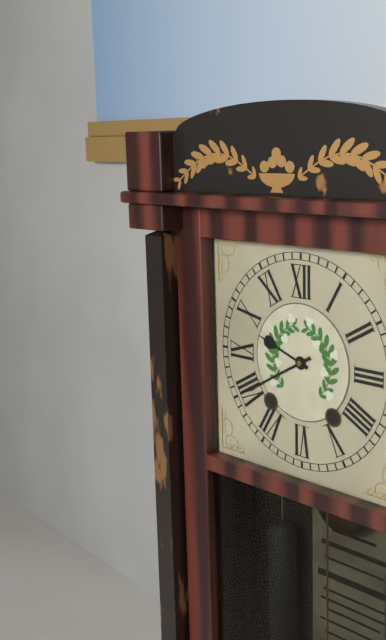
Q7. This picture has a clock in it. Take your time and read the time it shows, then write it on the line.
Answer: 9:40
